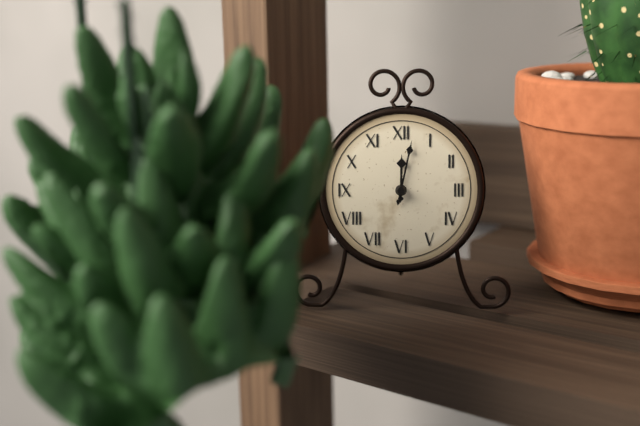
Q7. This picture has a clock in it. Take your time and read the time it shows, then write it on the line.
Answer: 12:02
